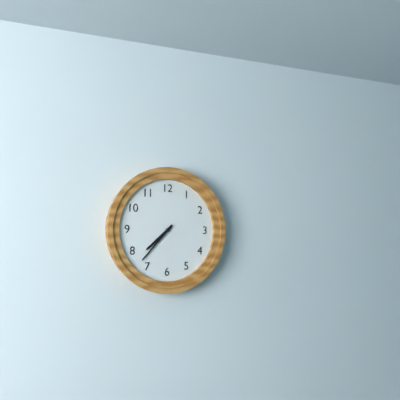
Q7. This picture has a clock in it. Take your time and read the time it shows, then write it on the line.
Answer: 7:37
